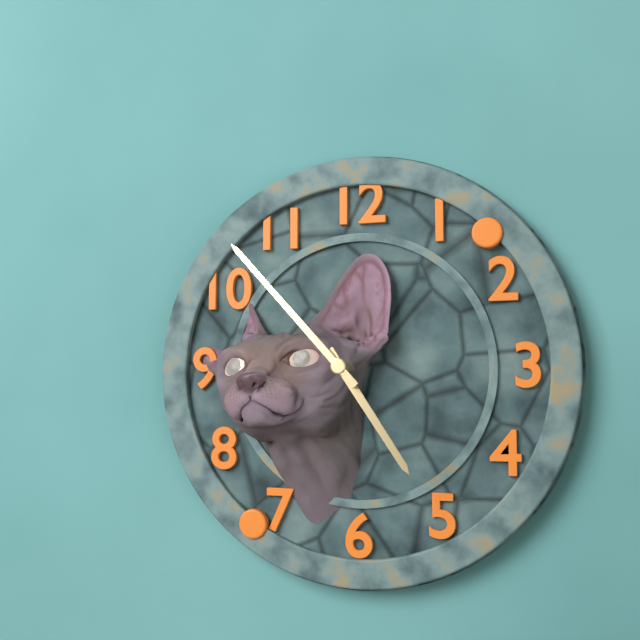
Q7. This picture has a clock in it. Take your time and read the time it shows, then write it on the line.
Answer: 4:53
